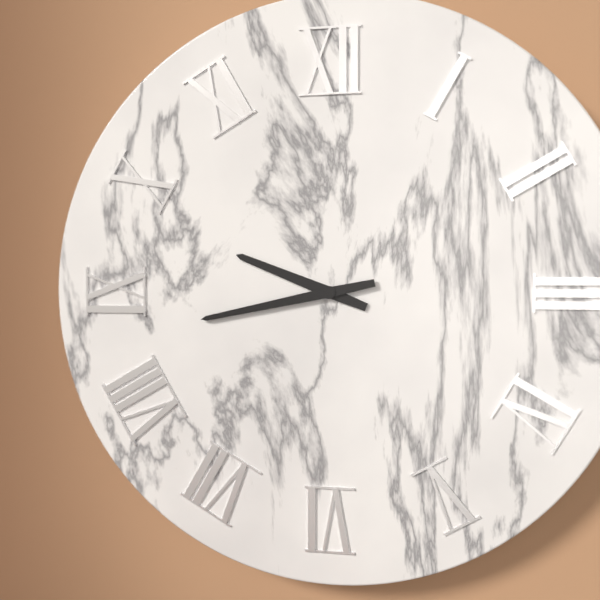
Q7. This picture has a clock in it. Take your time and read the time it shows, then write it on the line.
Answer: 9:43
